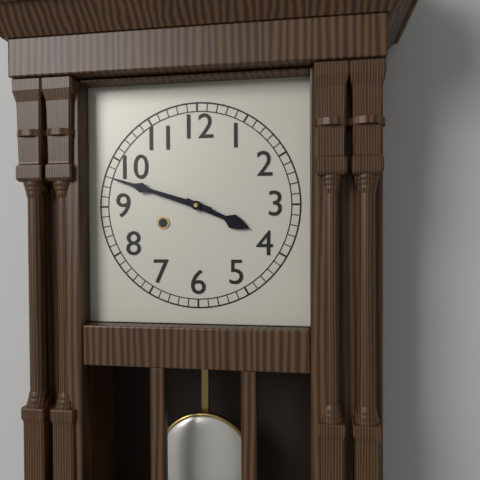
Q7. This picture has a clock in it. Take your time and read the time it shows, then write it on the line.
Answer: 3:48
